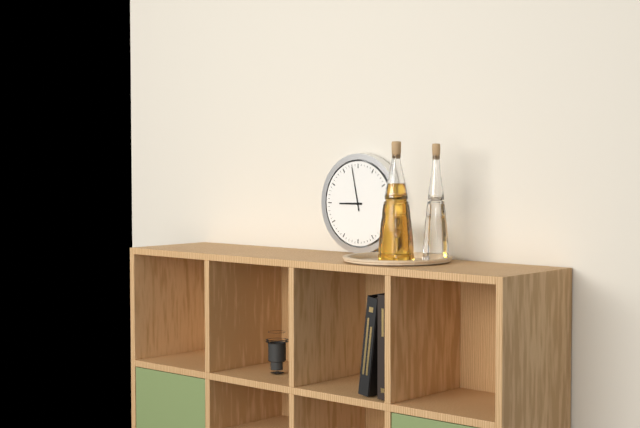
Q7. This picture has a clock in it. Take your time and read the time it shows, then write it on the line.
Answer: 8:58
